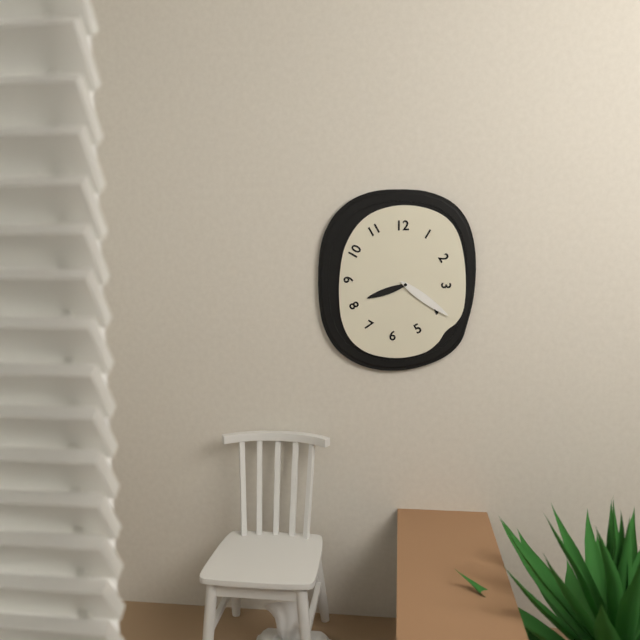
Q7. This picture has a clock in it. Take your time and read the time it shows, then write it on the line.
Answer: 8:21
